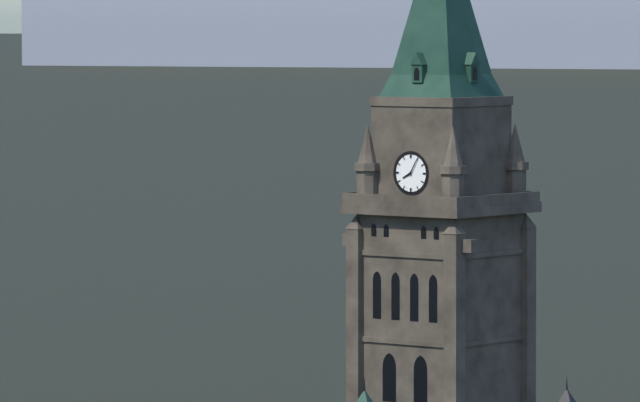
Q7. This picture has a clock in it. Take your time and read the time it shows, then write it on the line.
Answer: 8:05
